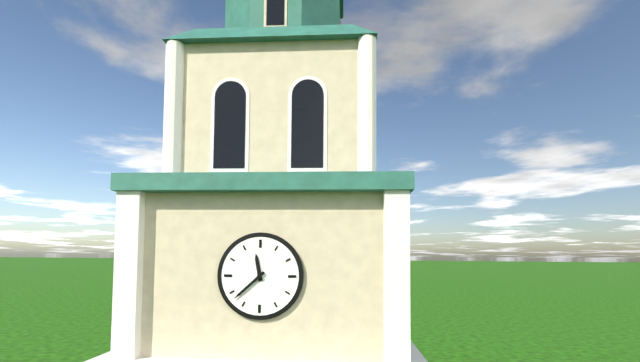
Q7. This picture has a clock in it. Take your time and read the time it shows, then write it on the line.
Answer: 11:38
